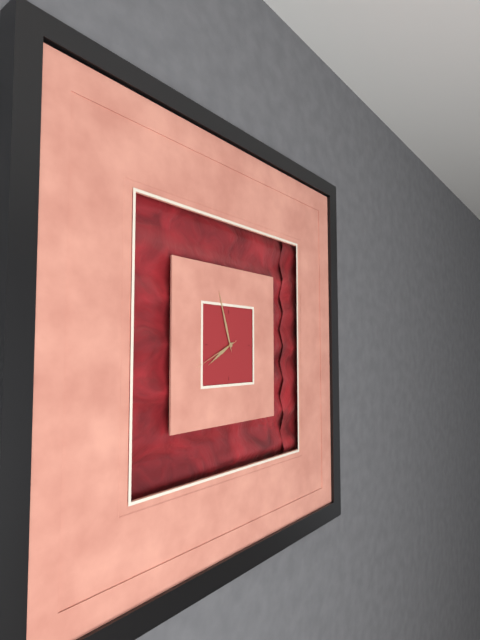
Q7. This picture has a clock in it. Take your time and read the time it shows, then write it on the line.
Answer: 7:57:41
